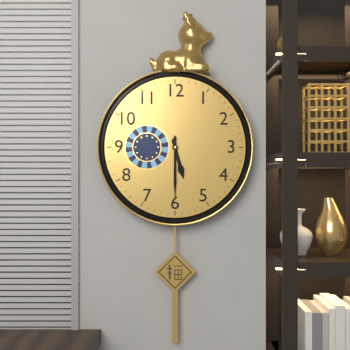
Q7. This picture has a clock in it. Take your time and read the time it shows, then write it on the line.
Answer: 5:30
